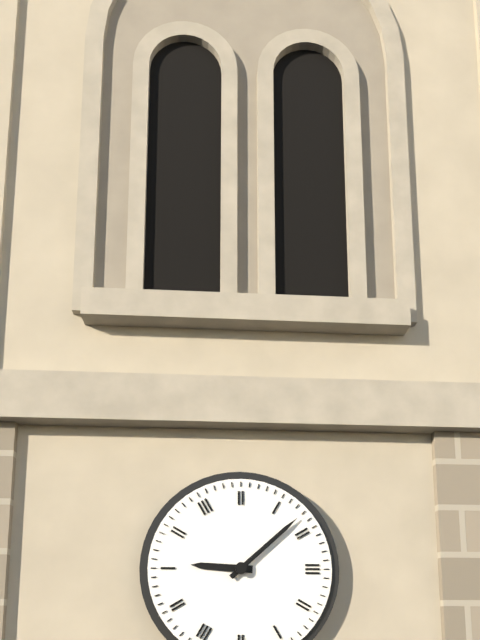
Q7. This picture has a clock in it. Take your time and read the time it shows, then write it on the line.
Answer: 9:08
